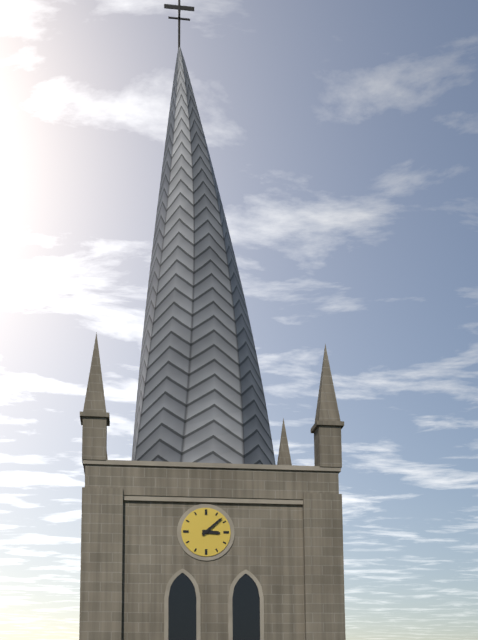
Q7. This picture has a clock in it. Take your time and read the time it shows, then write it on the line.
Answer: 3:08
